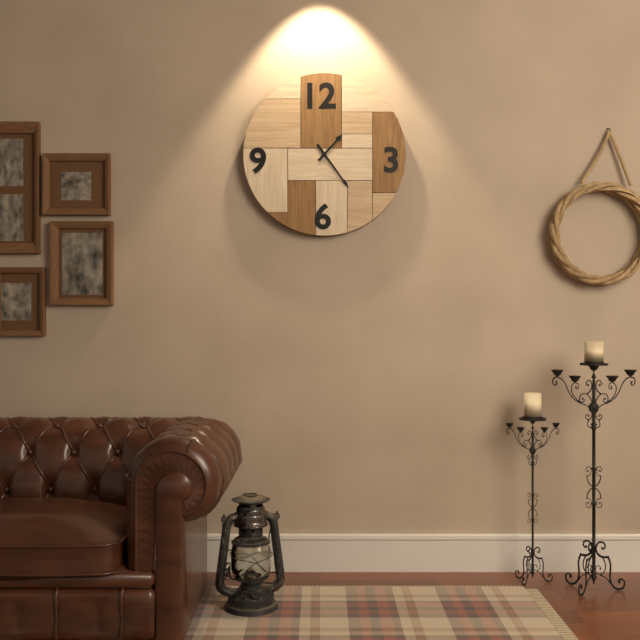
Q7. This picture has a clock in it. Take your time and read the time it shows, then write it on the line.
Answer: 1:24
